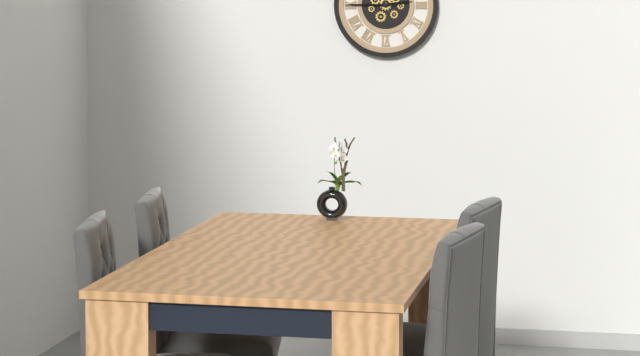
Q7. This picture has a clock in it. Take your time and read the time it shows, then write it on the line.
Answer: 2:45
